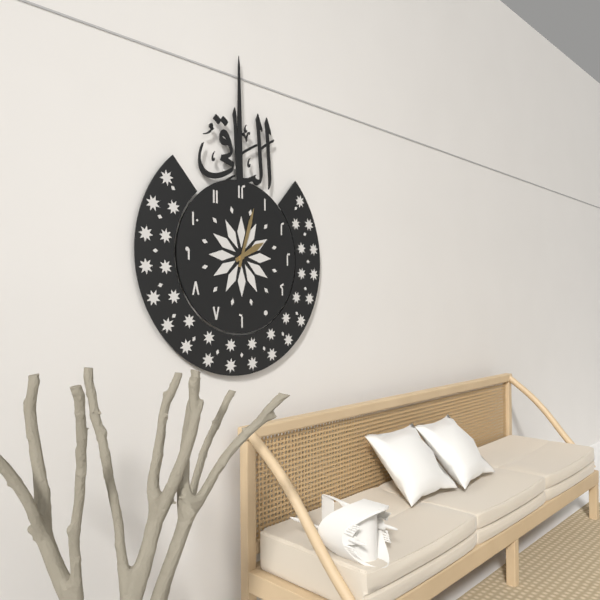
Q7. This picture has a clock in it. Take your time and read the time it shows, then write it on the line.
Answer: 2:03
